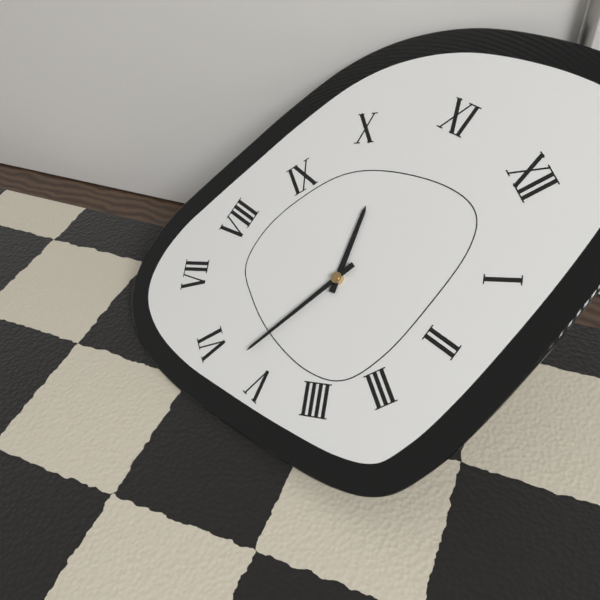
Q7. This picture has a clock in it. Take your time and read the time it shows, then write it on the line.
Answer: 10:28
